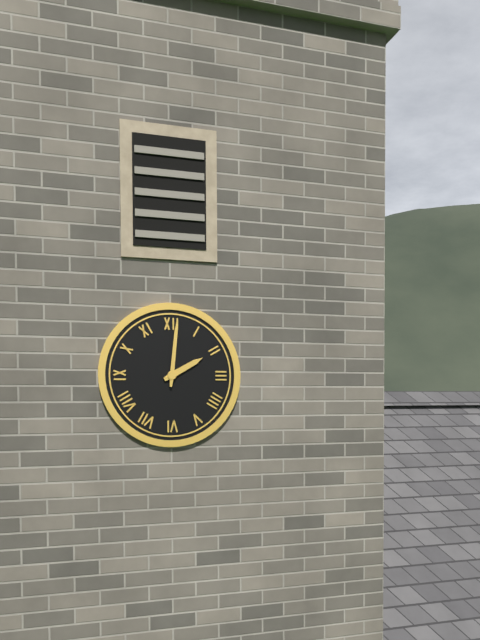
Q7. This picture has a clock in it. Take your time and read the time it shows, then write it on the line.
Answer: 2:01
